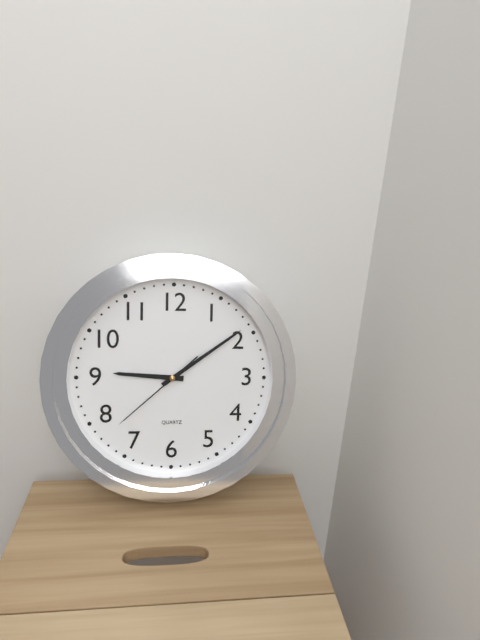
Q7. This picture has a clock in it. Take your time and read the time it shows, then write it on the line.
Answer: 9:09:38
